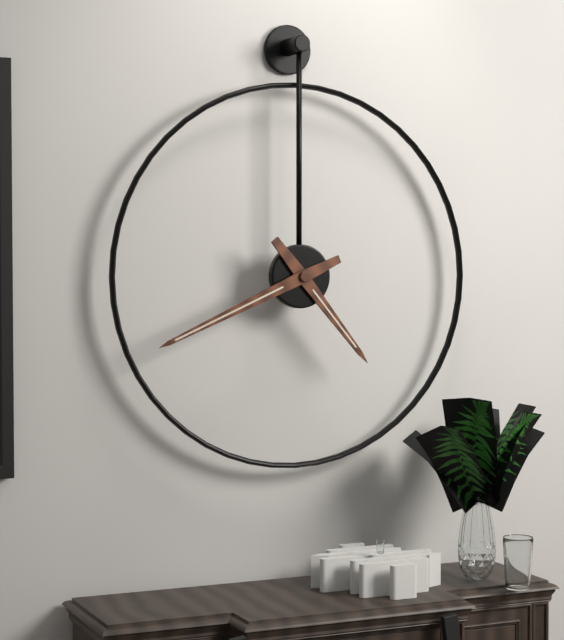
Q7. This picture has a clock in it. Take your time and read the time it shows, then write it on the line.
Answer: 4:41
